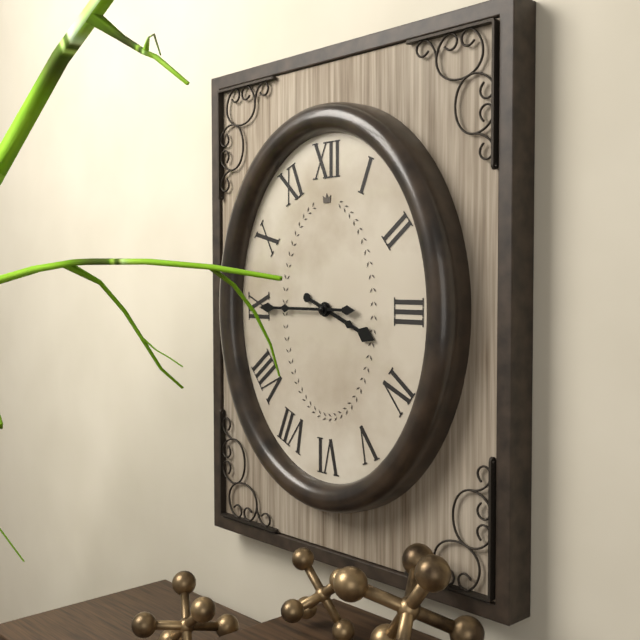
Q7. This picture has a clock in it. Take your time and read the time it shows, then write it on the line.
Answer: 3:45
